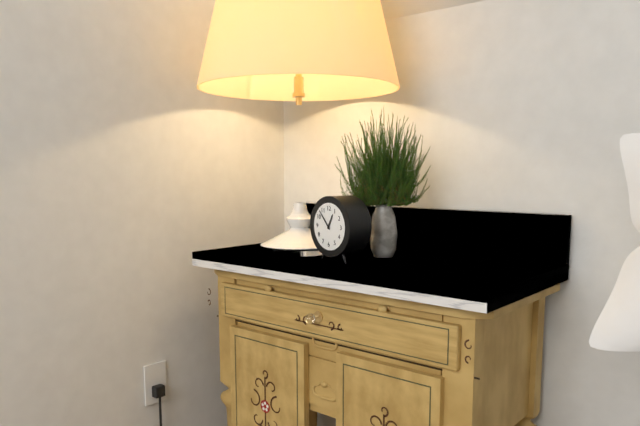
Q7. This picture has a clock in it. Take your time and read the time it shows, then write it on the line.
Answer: 12:53
